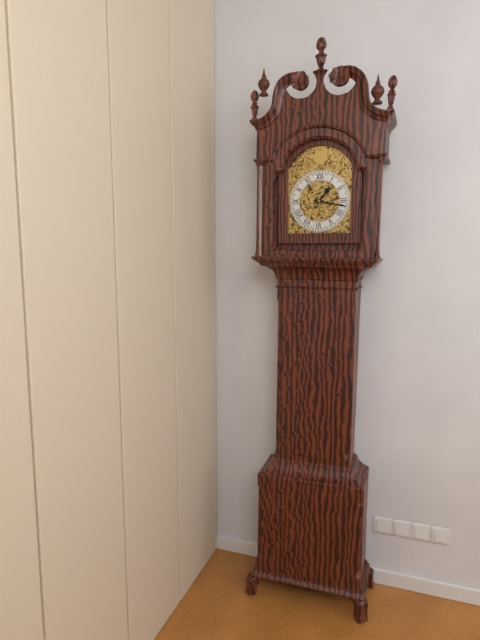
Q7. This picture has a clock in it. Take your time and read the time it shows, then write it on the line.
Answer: 1:17
